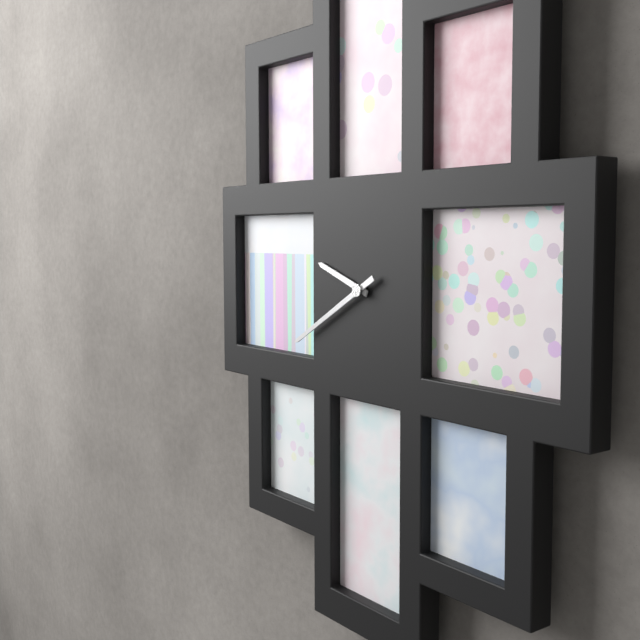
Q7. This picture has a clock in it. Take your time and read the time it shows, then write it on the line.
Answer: 9:40
